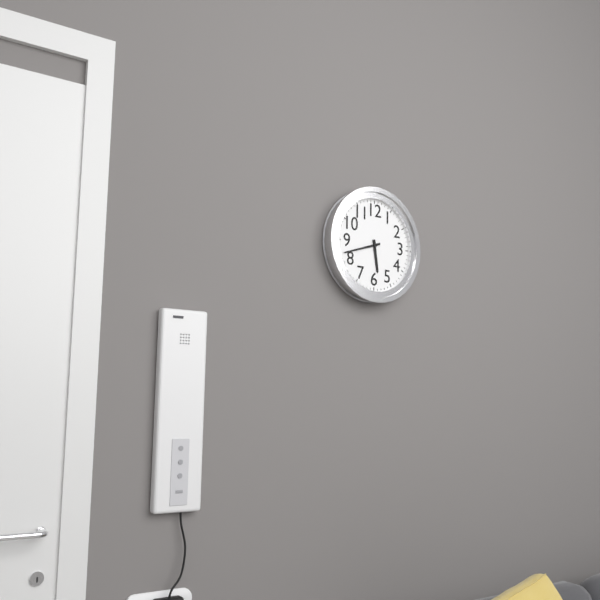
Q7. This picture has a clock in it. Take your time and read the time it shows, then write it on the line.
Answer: 5:42
